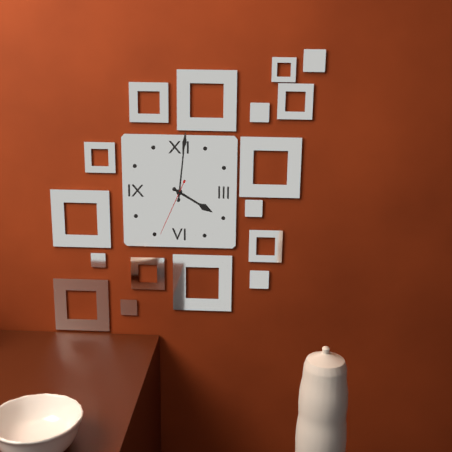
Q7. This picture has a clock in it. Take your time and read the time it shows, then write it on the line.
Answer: 4:01:34
